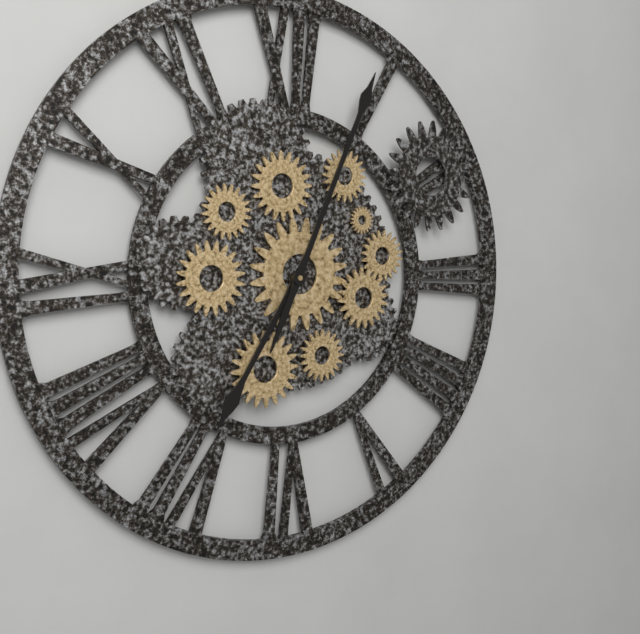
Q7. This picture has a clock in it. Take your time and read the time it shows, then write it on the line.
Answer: 7:04
